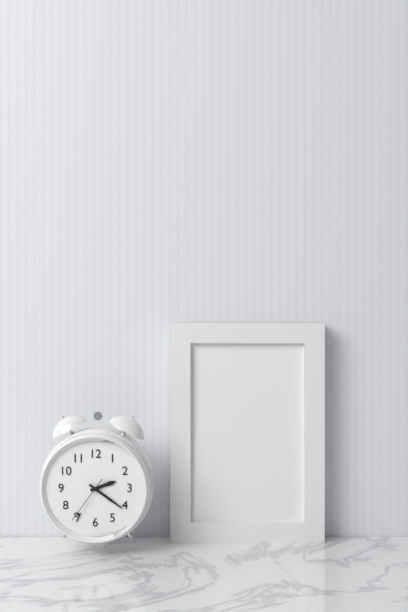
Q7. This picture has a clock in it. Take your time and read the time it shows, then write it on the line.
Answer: 2:21
